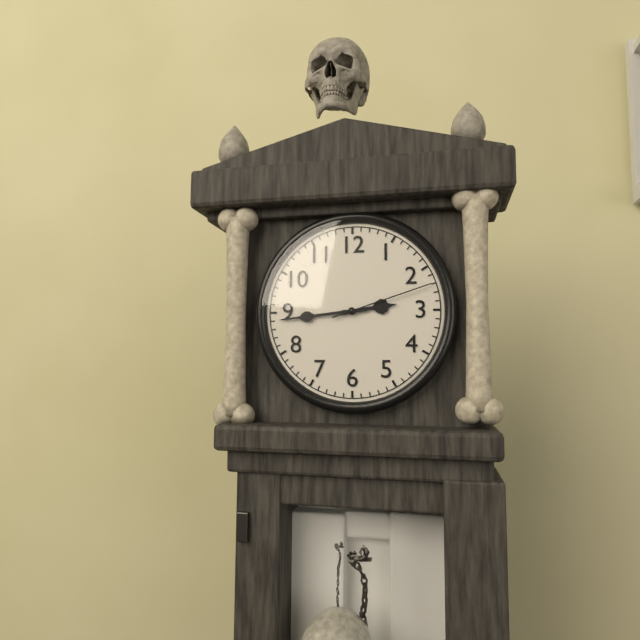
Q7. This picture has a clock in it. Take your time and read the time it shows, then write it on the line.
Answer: 2:44:12
